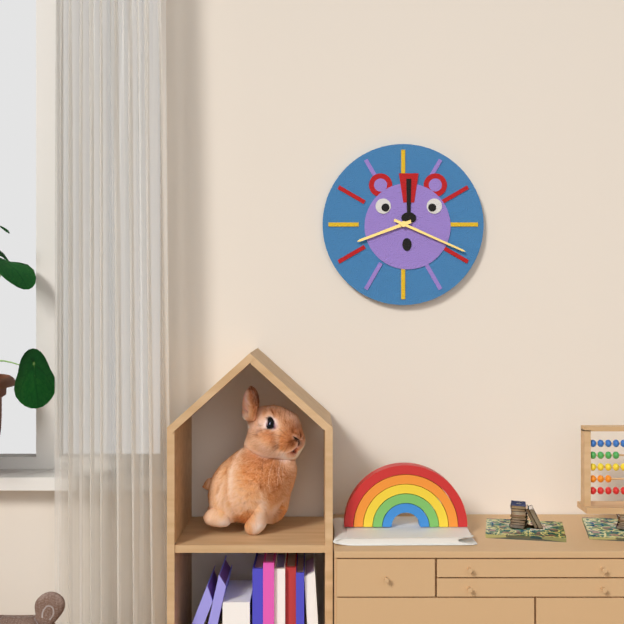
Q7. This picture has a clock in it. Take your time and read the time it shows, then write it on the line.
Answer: 8:19
